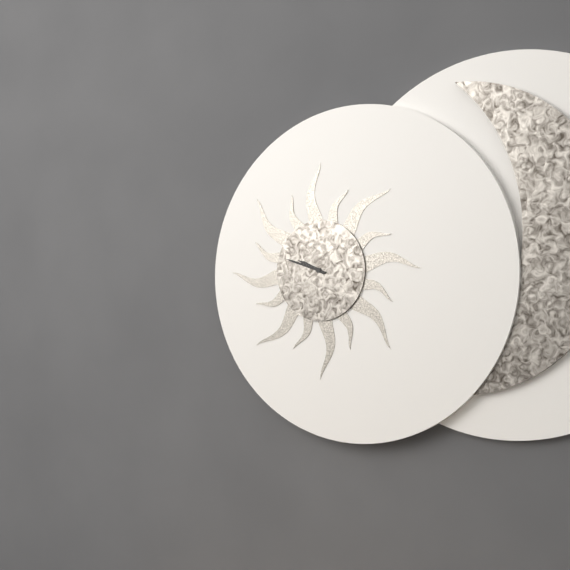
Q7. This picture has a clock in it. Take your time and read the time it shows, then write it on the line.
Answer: 9:48
